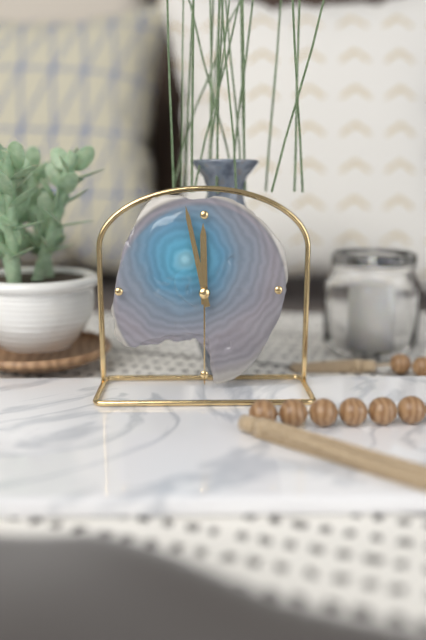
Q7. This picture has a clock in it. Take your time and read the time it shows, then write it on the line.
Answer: 11:58:30
